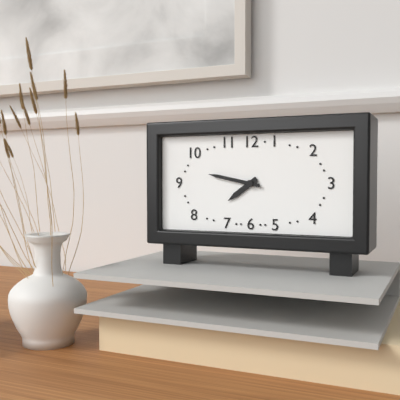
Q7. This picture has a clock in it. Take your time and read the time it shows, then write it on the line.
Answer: 7:47
